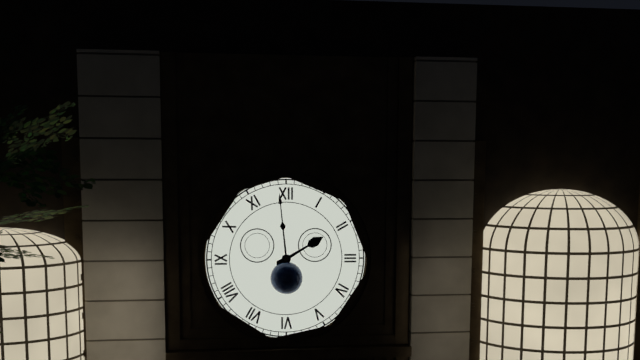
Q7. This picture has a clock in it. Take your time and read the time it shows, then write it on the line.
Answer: 1:59
